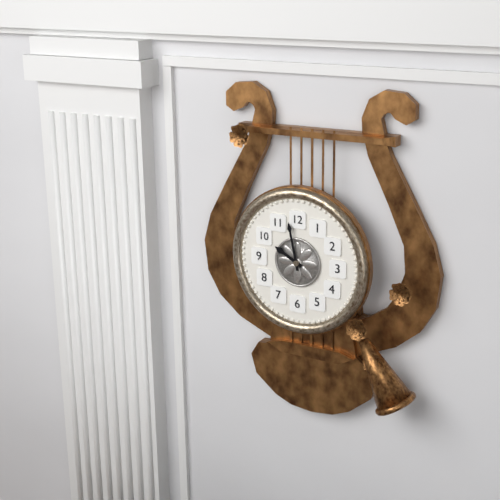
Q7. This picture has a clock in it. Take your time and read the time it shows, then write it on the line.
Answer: 9:58
